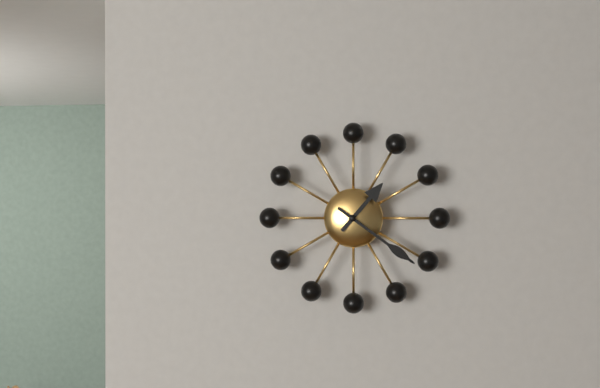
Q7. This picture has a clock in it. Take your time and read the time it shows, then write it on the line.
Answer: 1:21
